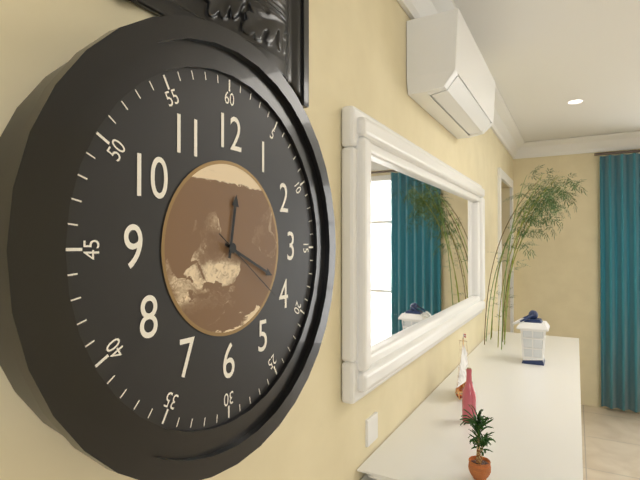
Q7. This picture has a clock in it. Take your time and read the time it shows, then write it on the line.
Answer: 12:19:21
